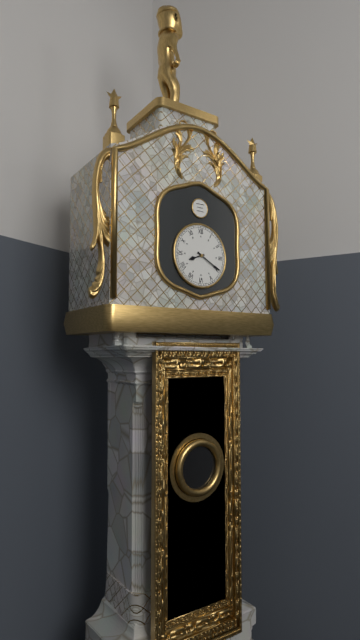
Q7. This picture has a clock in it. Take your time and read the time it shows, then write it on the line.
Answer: 8:20
